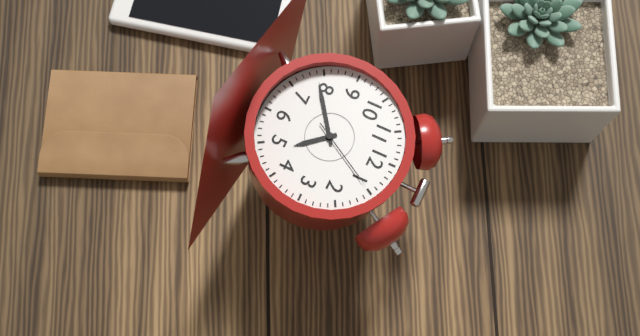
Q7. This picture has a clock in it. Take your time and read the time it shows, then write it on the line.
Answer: 4:39:05
